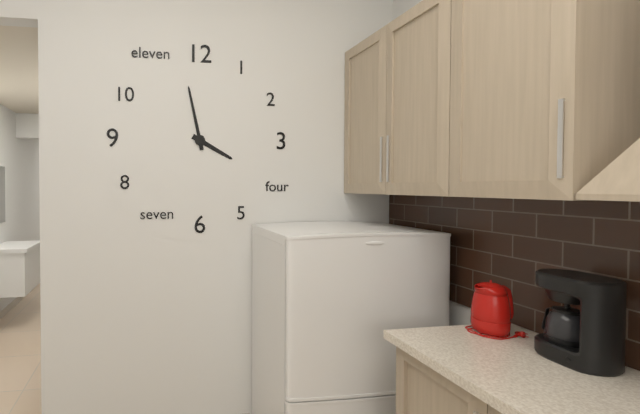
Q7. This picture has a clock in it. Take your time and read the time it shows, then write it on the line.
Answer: 3:58
